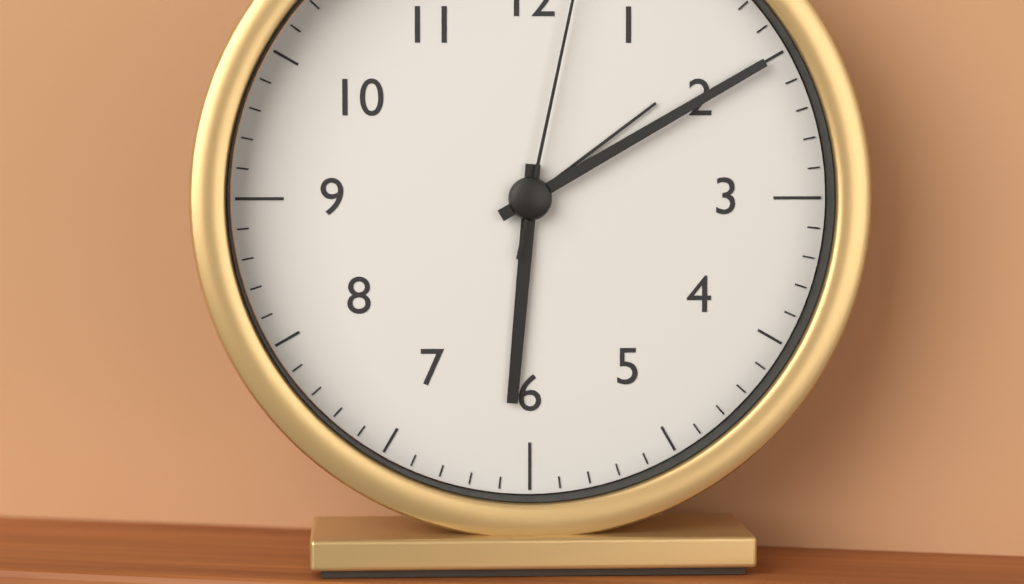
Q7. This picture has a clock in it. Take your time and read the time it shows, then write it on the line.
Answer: 6:10
